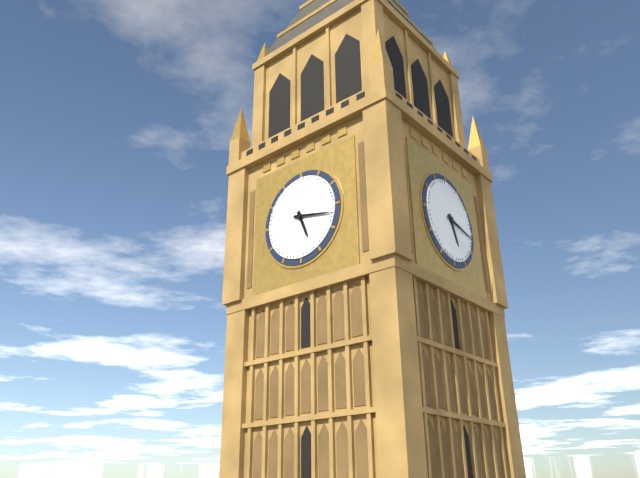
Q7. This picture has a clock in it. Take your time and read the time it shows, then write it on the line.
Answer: 5:17
